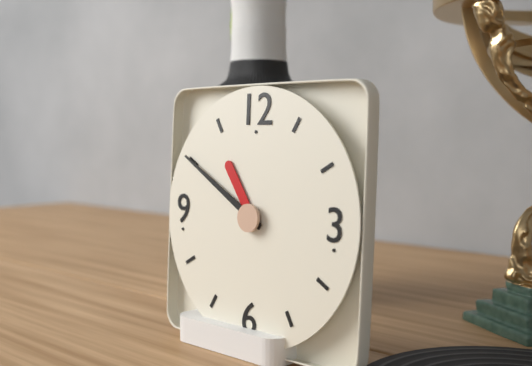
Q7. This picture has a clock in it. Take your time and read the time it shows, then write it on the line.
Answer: 10:50
